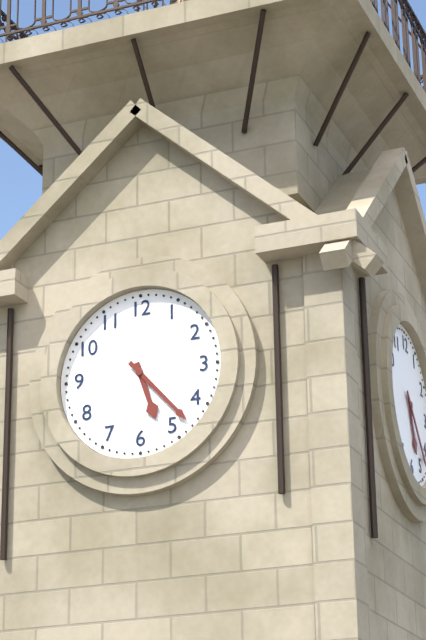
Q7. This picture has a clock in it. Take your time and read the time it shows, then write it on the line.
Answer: 5:23
